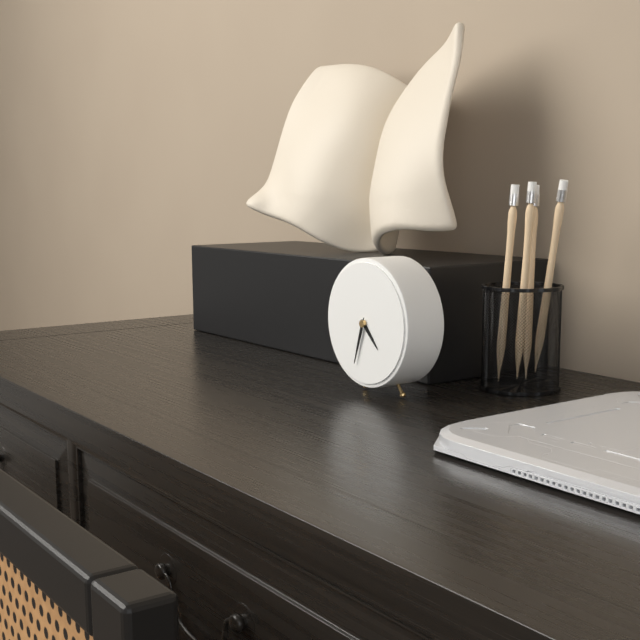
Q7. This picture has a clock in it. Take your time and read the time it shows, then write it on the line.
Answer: 4:33
